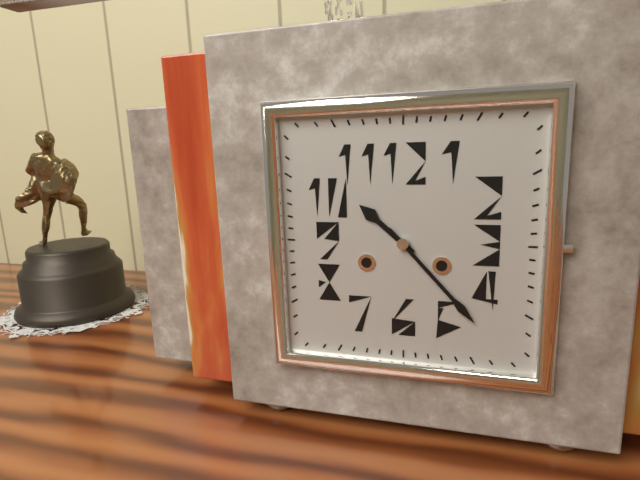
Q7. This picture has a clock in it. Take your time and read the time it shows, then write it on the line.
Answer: 10:23
